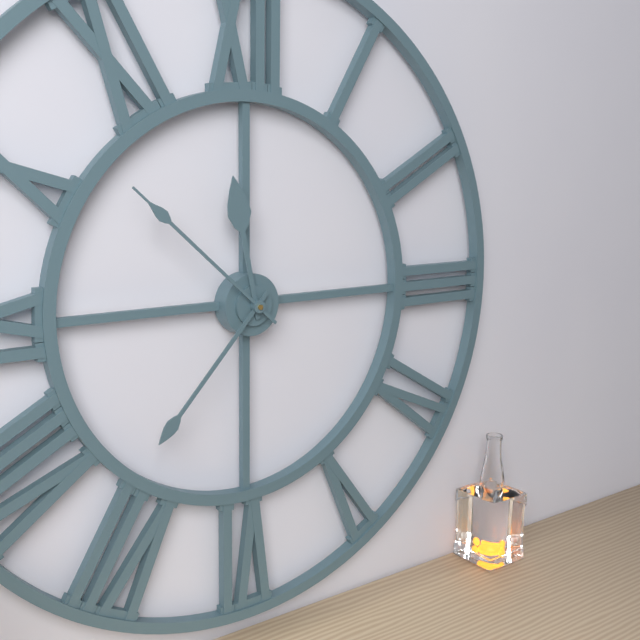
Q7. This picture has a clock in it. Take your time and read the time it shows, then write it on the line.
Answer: 11:37:52
